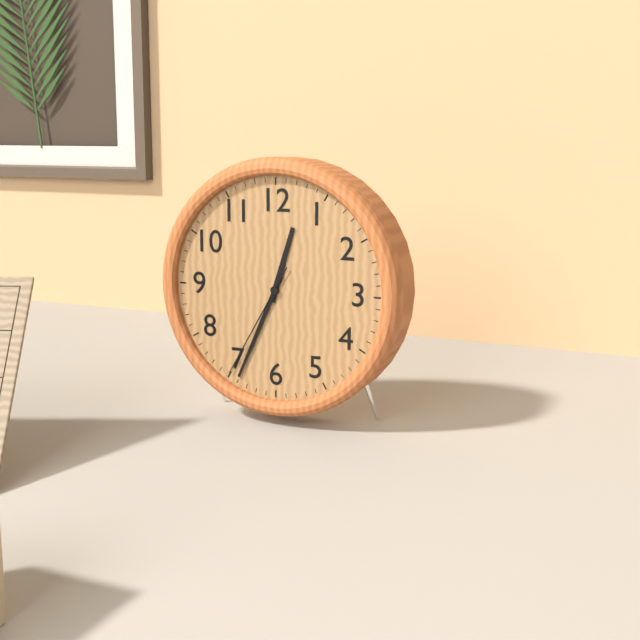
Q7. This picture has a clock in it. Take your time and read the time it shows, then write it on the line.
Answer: 12:34:35
